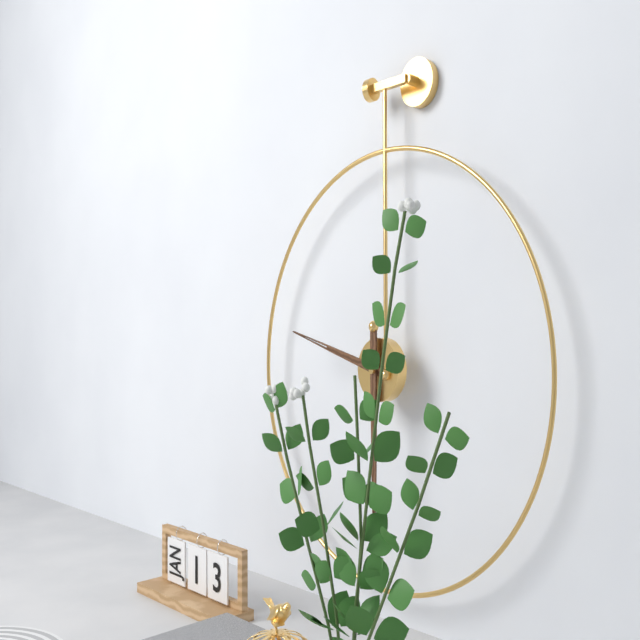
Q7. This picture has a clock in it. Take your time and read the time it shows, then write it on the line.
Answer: 9:30
